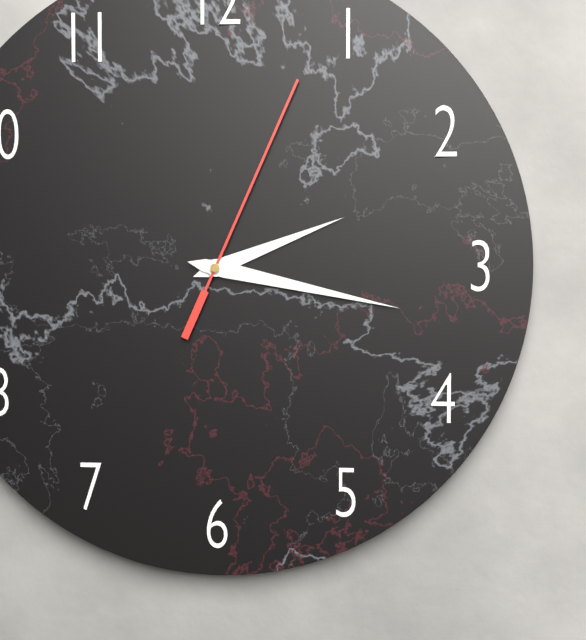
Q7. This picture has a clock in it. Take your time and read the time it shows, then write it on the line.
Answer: 2:17:04
